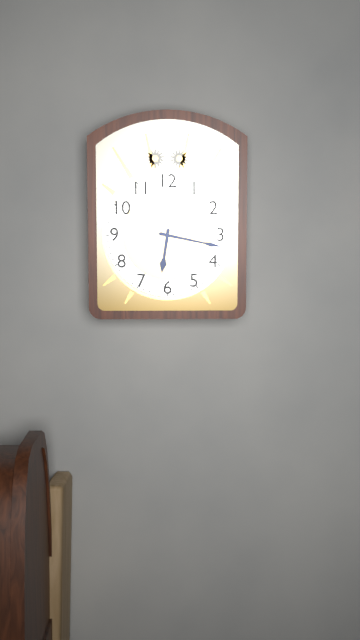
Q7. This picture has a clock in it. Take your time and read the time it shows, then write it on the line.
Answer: 6:17
